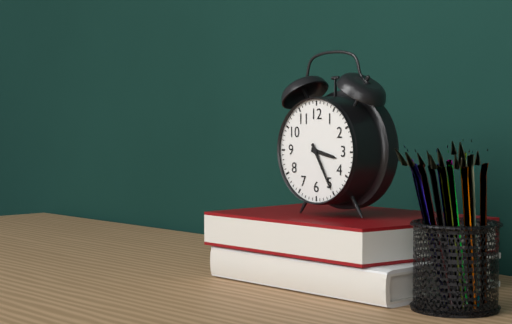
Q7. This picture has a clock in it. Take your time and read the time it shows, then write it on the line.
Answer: 3:25
